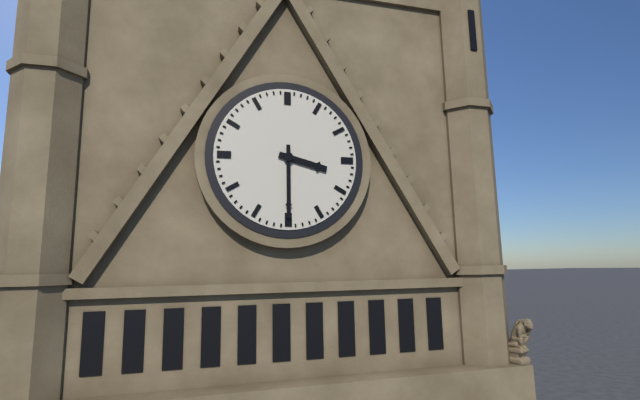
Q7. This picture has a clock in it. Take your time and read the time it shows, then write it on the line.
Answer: 3:30
